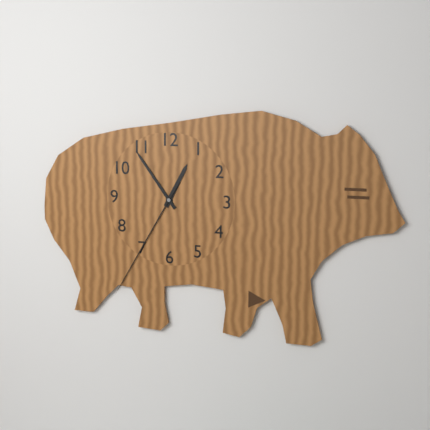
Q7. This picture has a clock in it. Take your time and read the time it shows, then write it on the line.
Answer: 12:54:35
